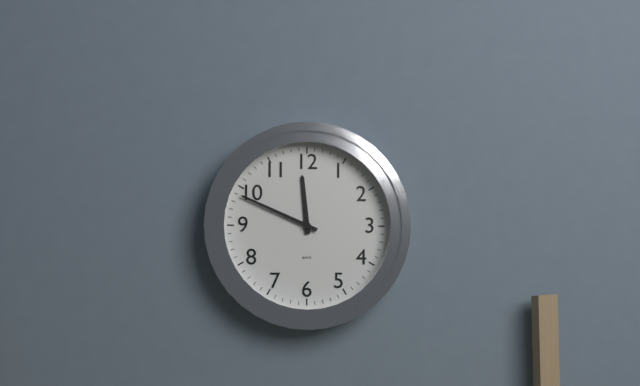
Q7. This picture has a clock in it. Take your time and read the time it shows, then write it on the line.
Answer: 11:49
